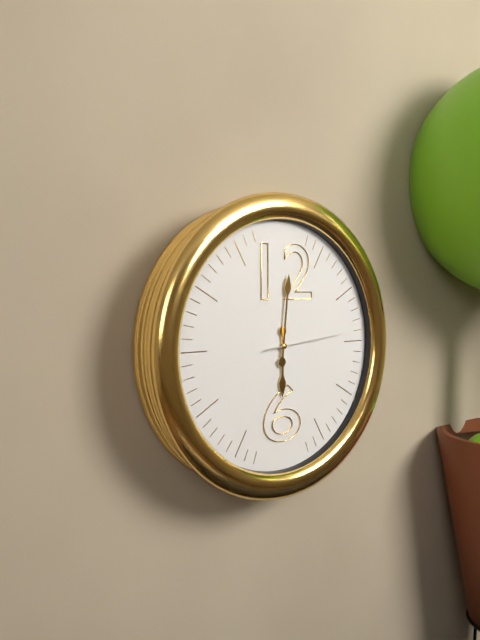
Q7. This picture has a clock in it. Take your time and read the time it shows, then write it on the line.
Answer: 6:01:14
